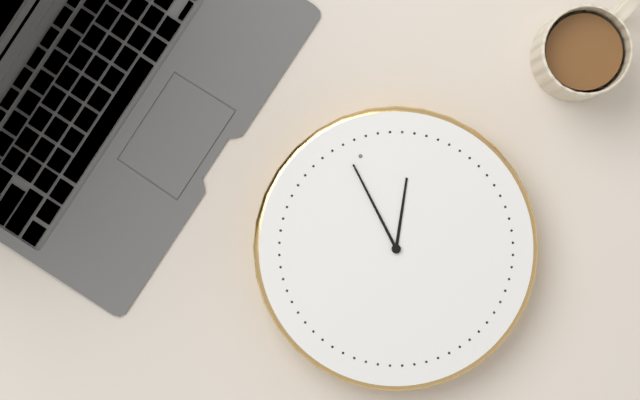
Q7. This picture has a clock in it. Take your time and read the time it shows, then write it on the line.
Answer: 12:59
